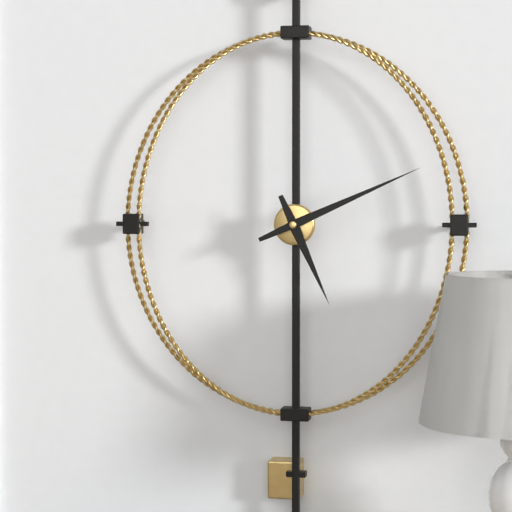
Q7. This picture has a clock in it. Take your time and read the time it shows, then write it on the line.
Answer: 5:11
